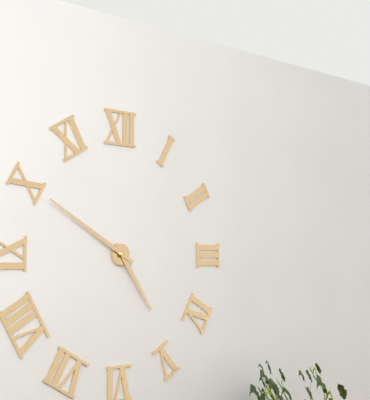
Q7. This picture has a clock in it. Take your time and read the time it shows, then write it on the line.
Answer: 4:50
